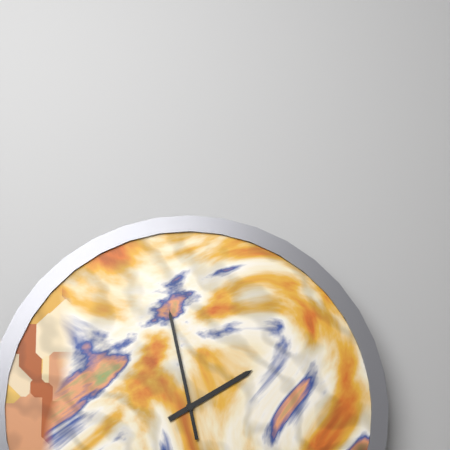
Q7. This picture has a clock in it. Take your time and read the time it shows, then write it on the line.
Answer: 1:58
